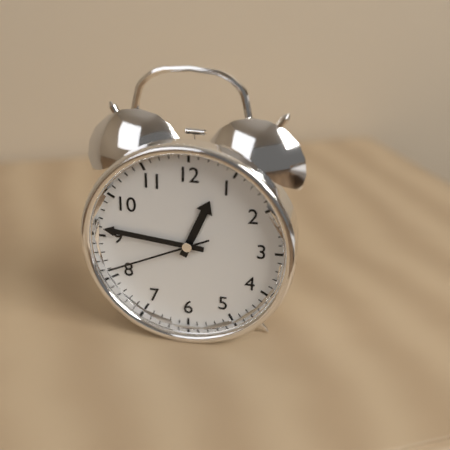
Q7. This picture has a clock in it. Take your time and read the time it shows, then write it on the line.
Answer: 12:46:41
